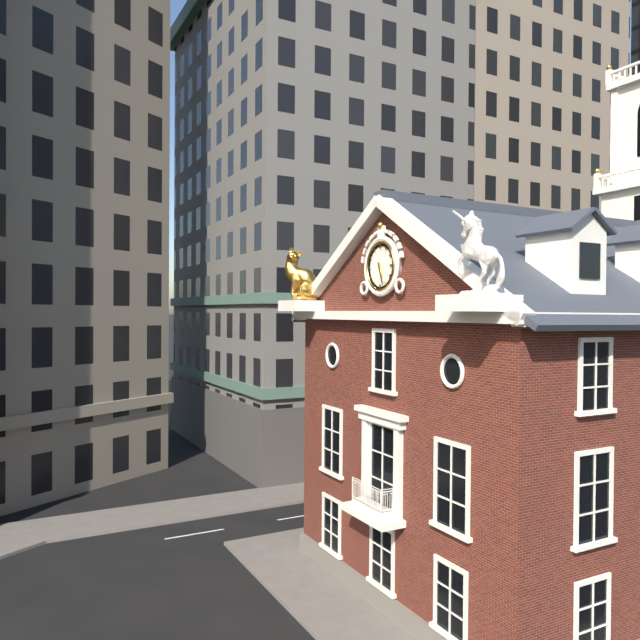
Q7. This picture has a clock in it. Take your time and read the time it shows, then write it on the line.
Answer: 5:27
